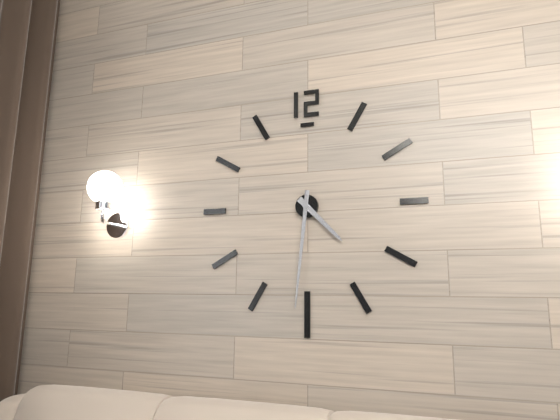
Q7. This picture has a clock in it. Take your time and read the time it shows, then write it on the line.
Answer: 4:31
